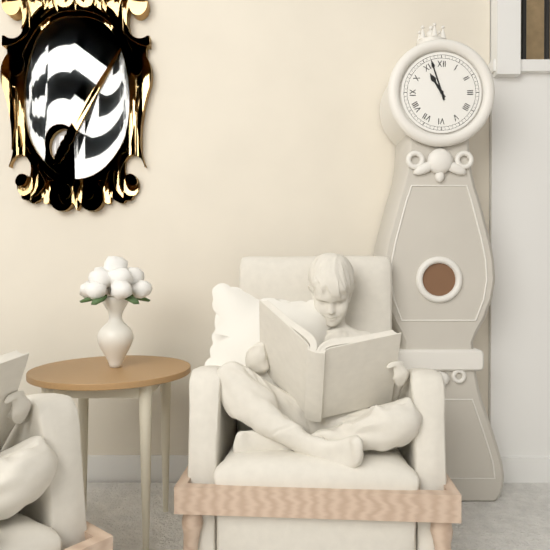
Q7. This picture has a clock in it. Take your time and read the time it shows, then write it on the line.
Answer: 10:57
